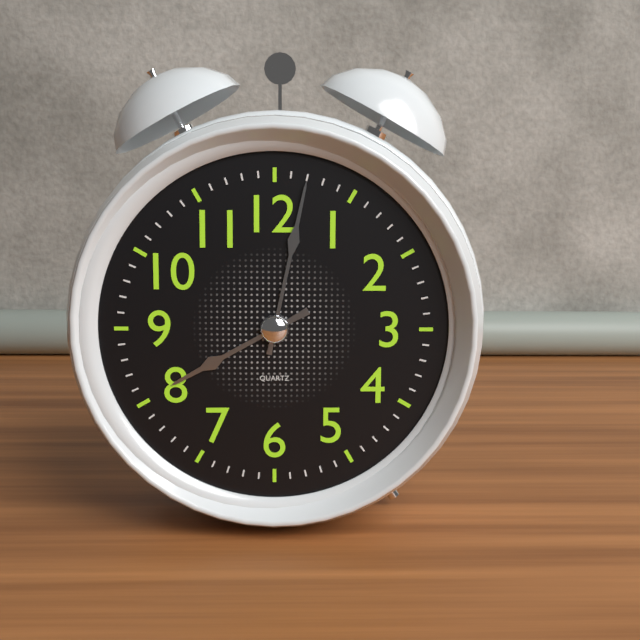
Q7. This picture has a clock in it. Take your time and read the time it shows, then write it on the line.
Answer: 8:02
